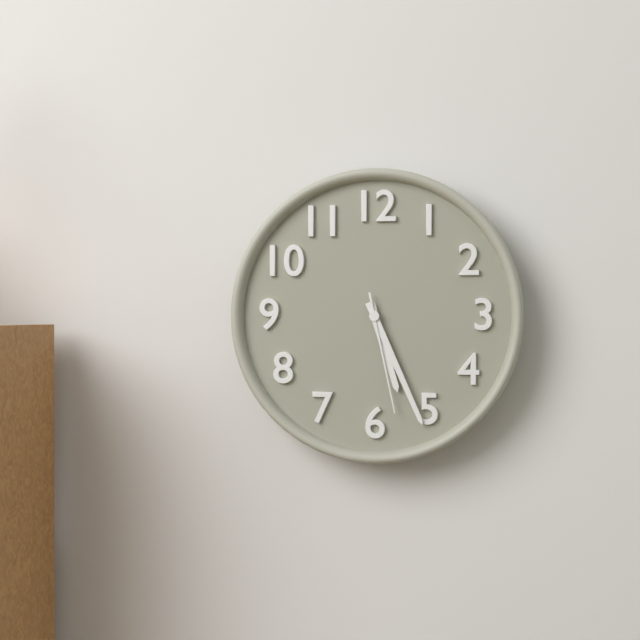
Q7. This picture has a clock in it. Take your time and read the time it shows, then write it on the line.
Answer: 5:26:28
